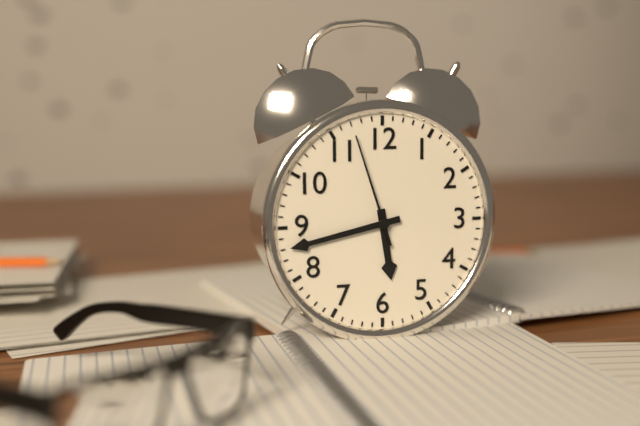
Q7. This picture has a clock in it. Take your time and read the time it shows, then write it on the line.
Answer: 5:43:57
